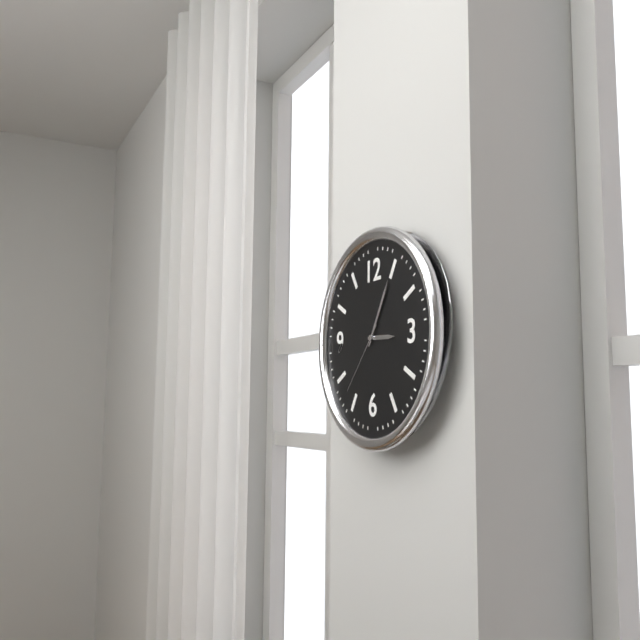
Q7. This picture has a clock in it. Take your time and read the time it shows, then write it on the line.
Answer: 3:05:37
